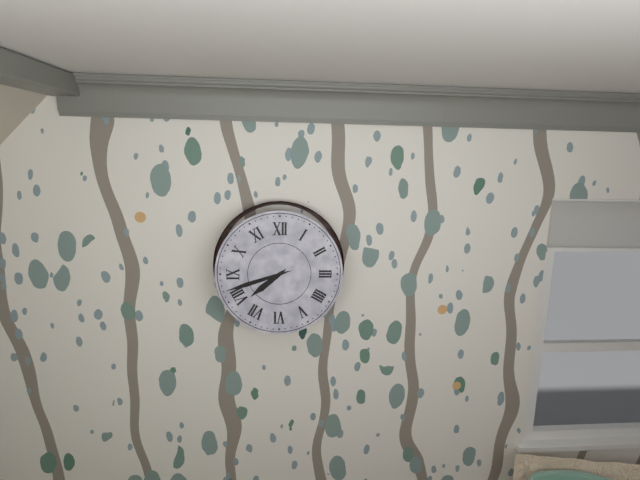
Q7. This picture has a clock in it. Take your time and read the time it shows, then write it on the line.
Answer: 7:42
